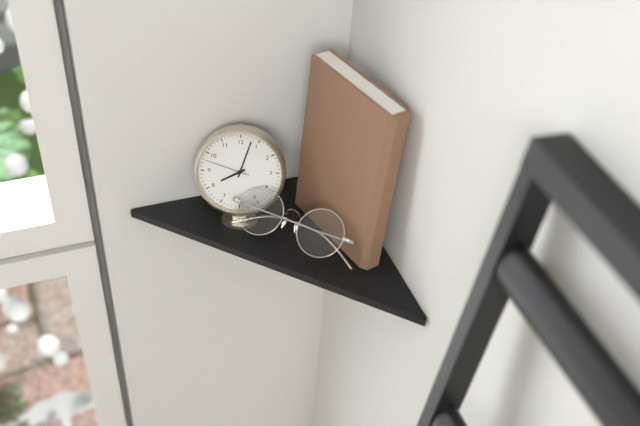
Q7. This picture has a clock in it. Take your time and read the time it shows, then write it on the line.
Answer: 8:03
